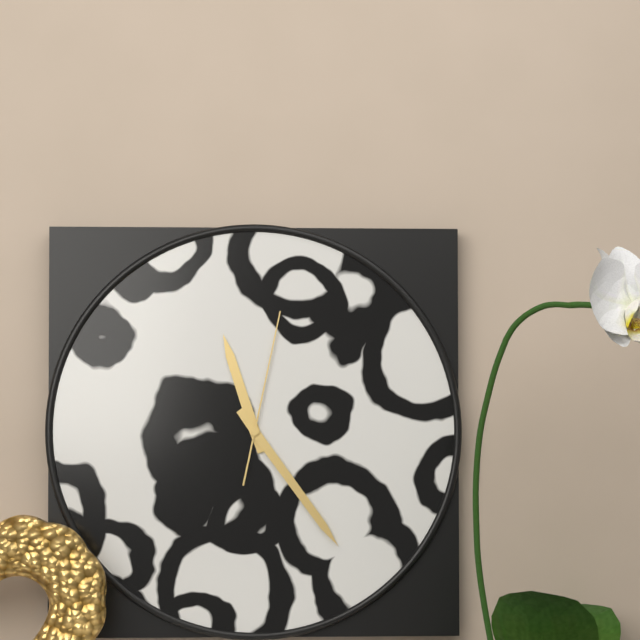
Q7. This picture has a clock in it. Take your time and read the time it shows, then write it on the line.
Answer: 11:24:02
